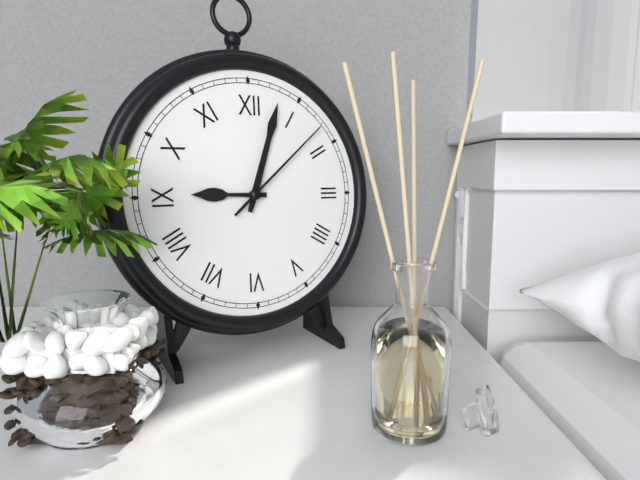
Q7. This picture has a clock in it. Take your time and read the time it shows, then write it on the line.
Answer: 9:03:08
